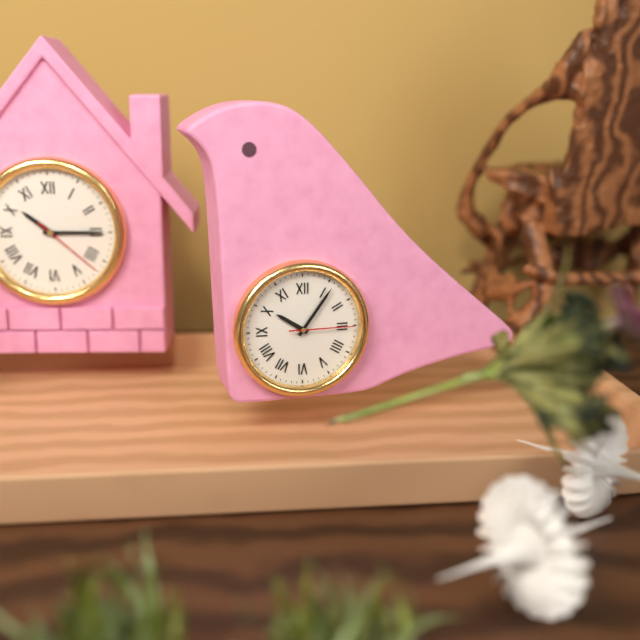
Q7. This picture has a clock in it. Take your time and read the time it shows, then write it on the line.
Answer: 10:06:15
